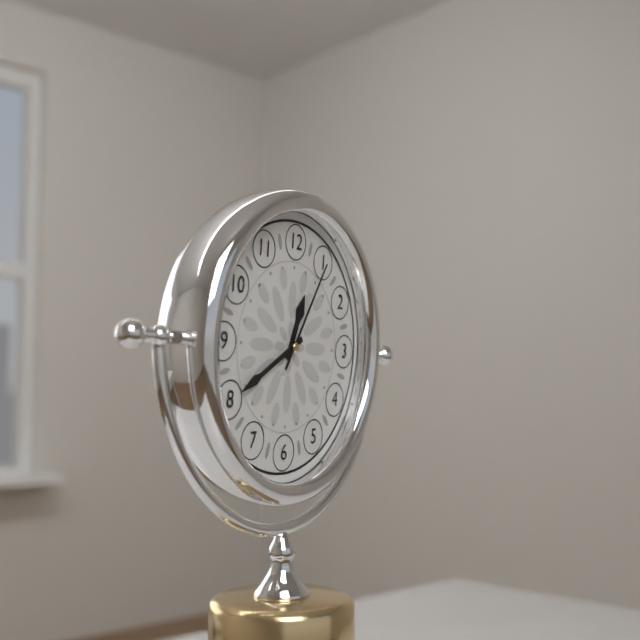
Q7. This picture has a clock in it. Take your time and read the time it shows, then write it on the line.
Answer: 12:40:05
